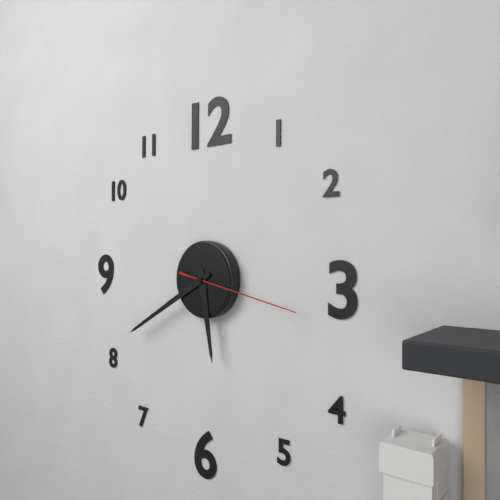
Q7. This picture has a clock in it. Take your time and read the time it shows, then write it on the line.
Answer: 5:40:17
